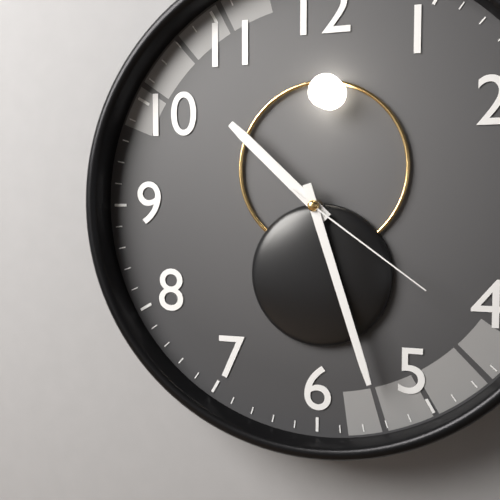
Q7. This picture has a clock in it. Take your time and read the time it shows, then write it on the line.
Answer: 10:27:21
